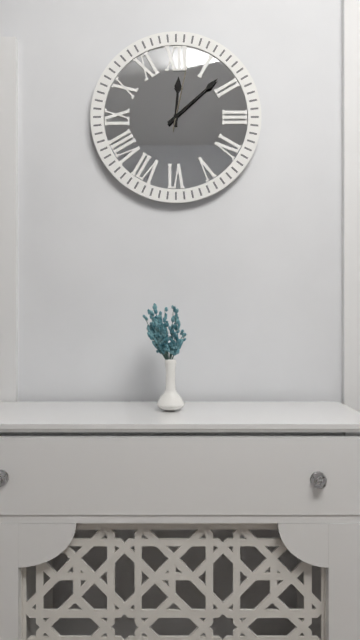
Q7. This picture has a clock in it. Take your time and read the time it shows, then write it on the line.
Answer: 12:08:02
